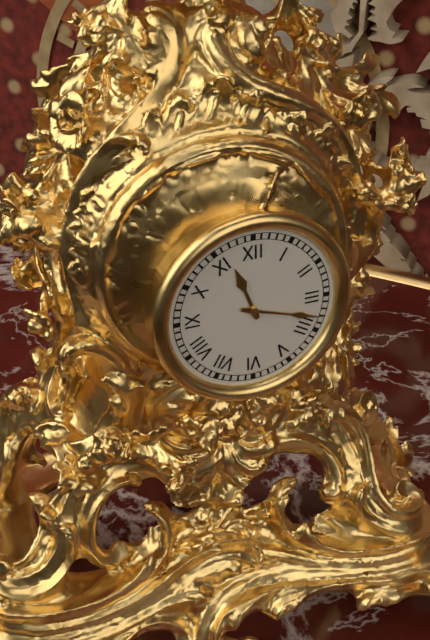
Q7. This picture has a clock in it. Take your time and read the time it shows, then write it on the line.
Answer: 11:18
